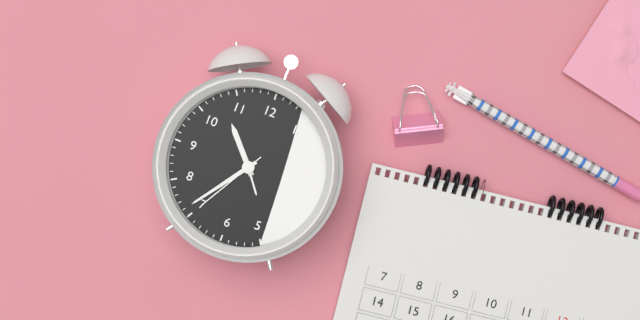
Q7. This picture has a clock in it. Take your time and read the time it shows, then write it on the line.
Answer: 10:36:35
